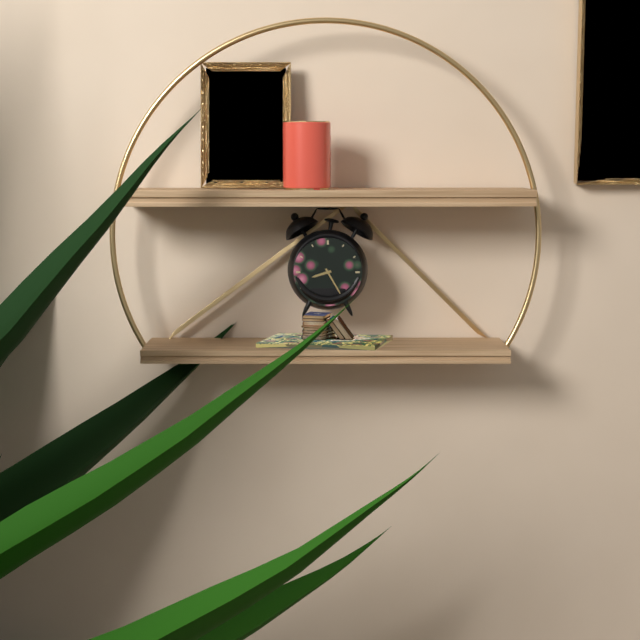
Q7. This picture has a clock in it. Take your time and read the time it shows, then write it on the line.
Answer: 8:25
